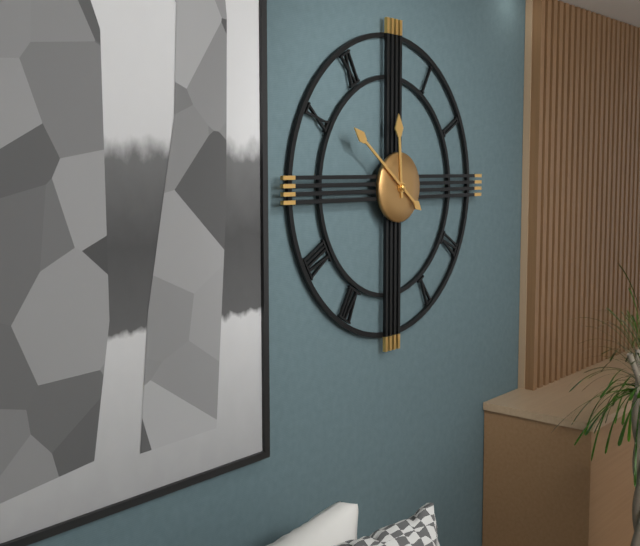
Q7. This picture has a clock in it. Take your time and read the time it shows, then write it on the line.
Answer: 11:51
